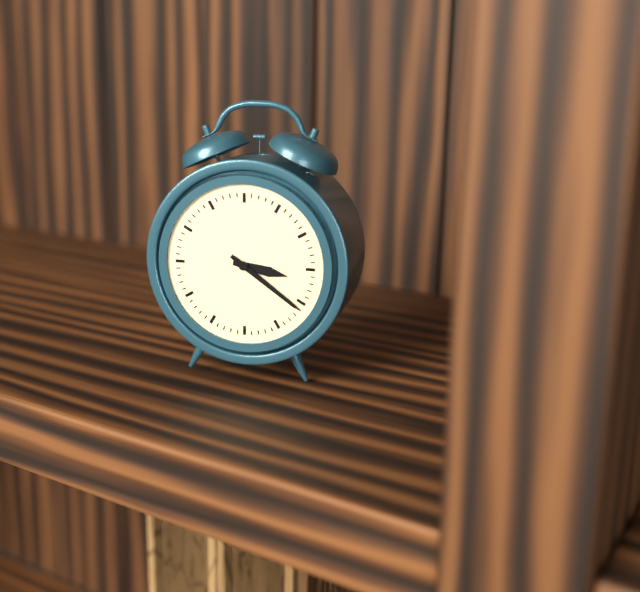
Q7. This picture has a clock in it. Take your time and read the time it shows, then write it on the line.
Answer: 3:21
